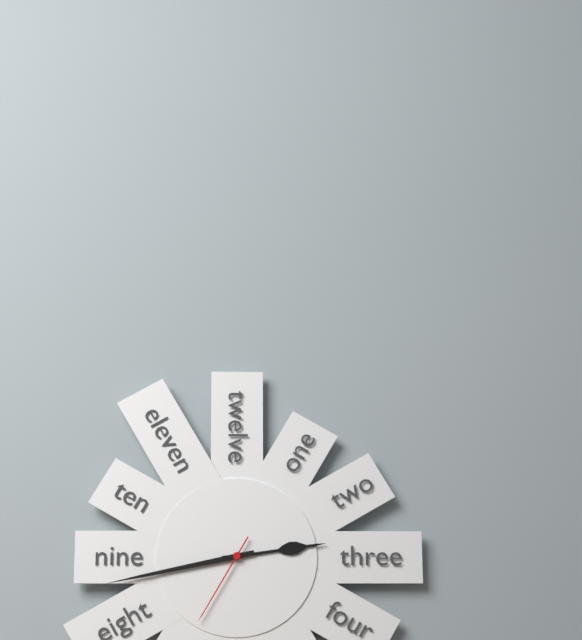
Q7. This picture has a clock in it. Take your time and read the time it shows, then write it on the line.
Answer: 2:43:35
